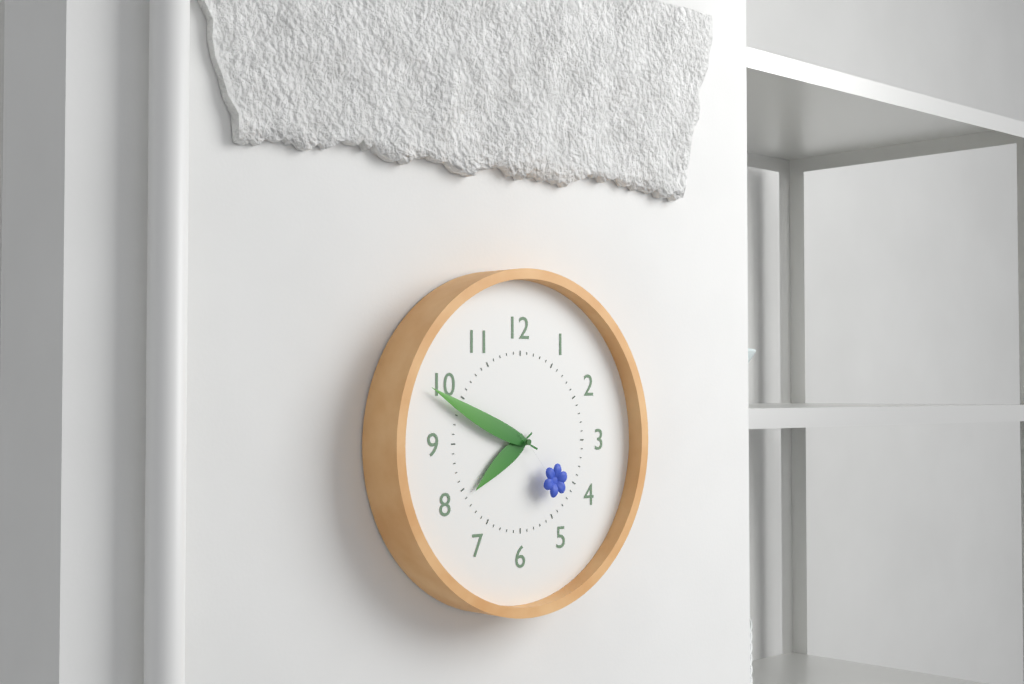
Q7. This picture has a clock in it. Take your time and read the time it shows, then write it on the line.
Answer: 7:49:23
